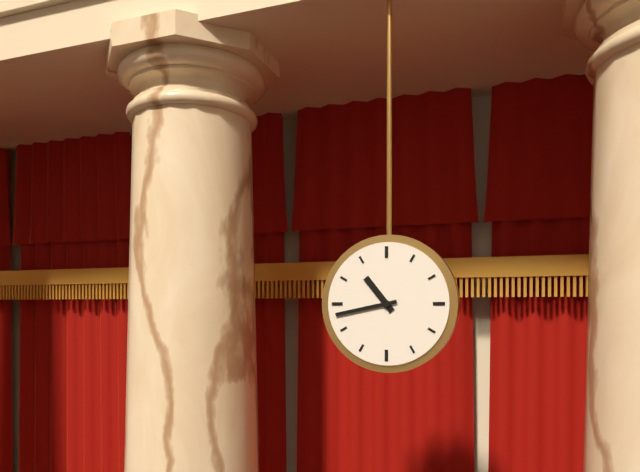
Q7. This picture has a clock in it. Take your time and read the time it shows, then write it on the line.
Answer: 10:43
